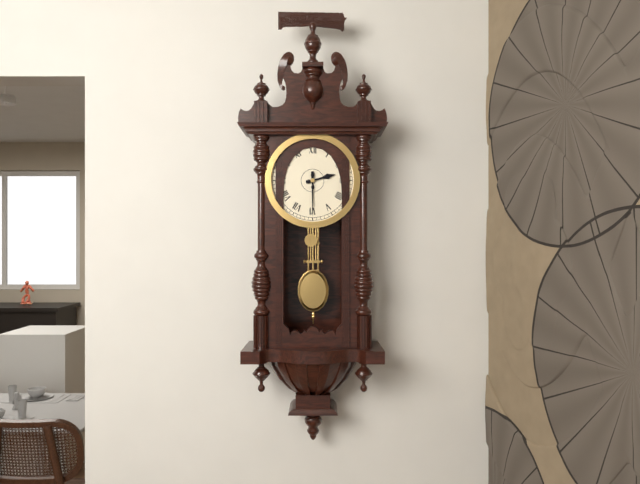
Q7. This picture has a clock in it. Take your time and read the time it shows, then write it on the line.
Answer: 2:30
